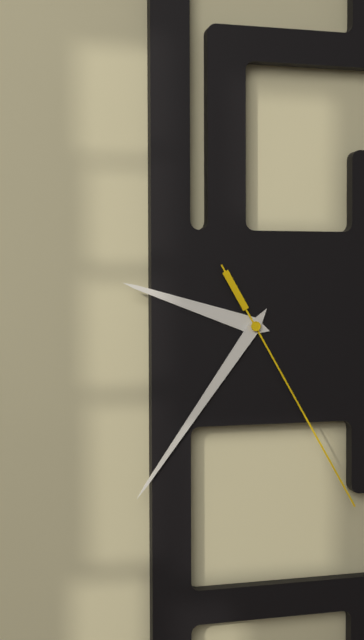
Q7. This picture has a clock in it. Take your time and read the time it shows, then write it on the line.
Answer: 9:36:25
